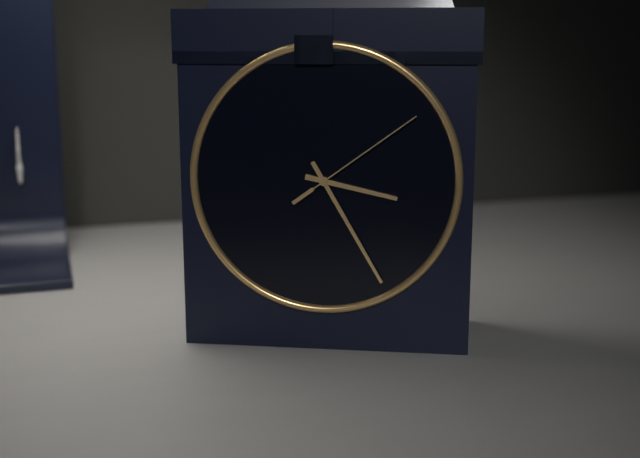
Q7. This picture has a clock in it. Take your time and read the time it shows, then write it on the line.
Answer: 3:25:09
